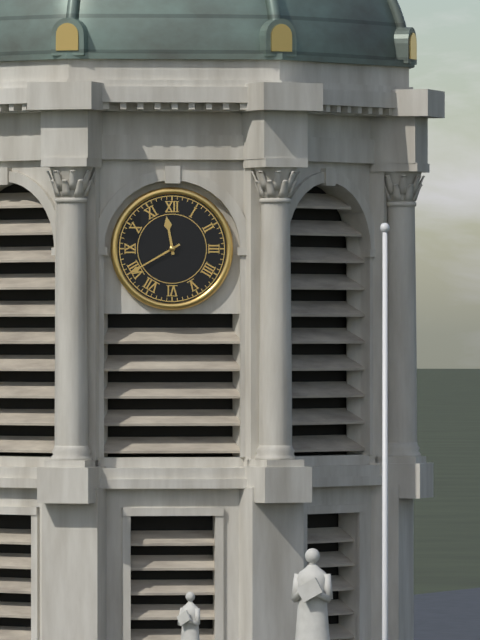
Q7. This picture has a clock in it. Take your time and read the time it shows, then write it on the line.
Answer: 11:40
